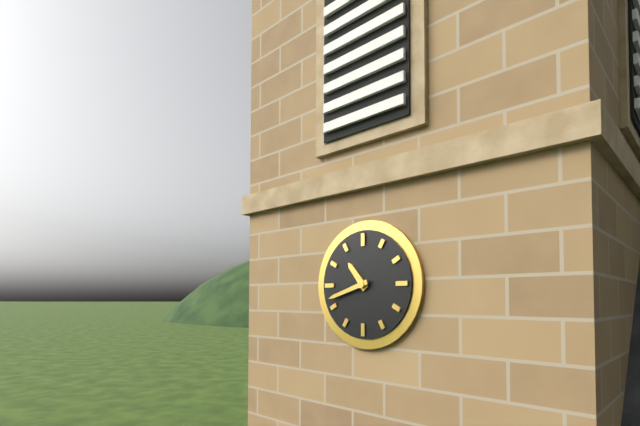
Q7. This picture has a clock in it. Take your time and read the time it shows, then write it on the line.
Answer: 10:42
